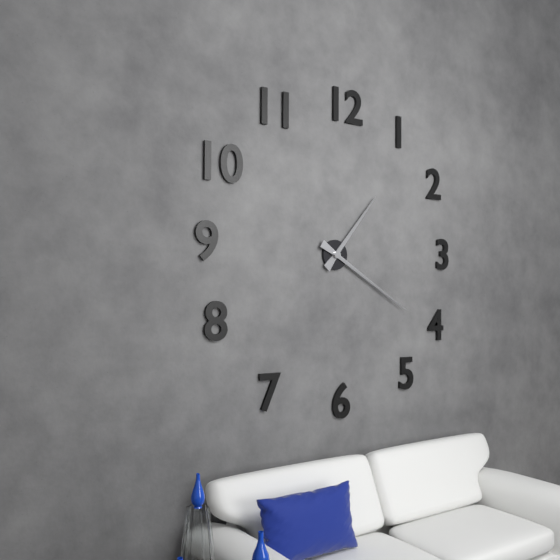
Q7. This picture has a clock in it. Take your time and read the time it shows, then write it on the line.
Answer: 1:20
